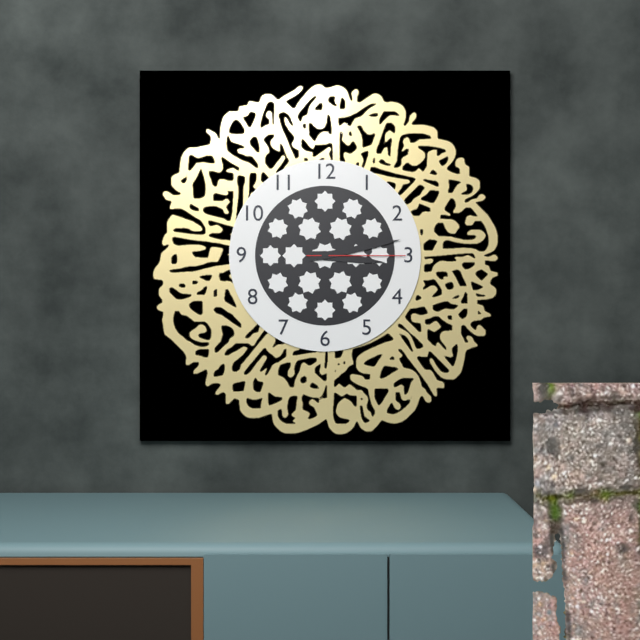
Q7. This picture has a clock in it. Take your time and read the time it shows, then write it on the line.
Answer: 3:13:15
